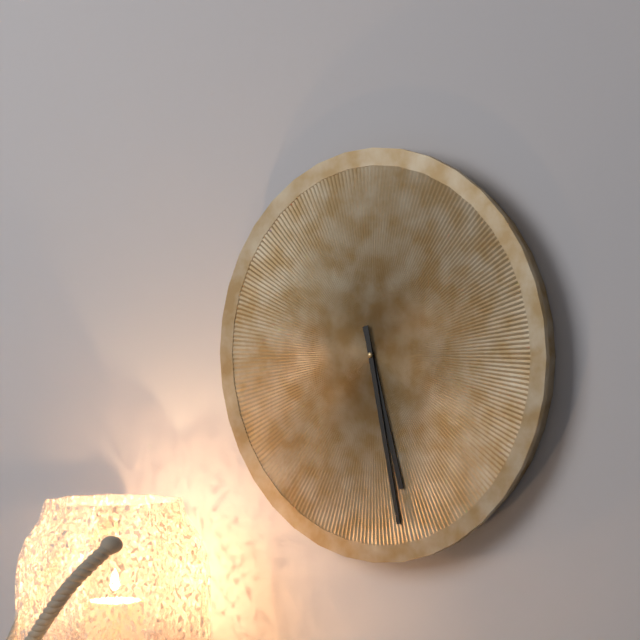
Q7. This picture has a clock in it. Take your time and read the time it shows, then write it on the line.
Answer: 5:28
